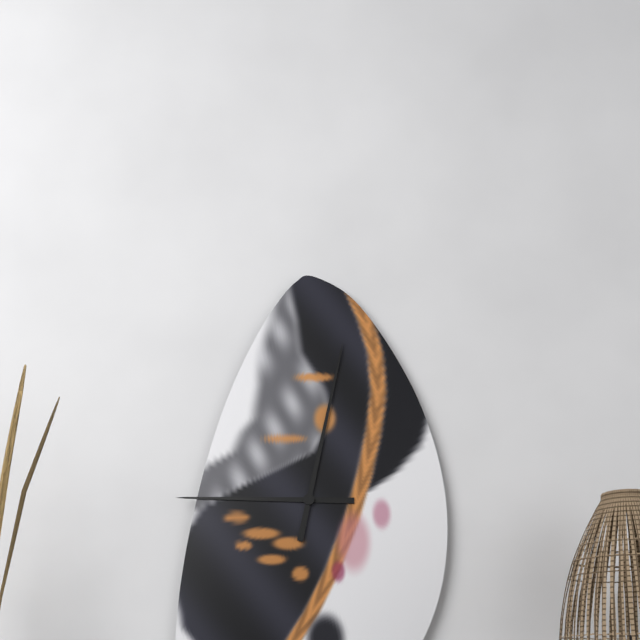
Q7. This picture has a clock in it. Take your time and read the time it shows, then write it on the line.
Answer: 9:02
